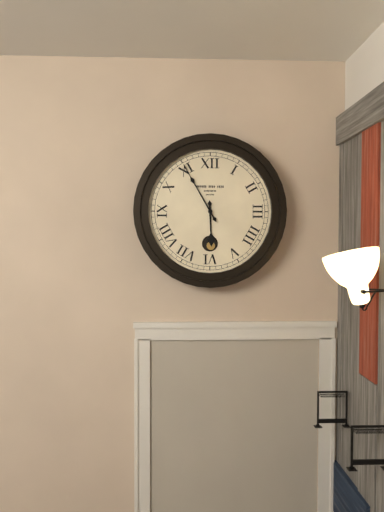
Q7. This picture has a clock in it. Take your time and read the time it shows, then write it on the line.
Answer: 5:55
